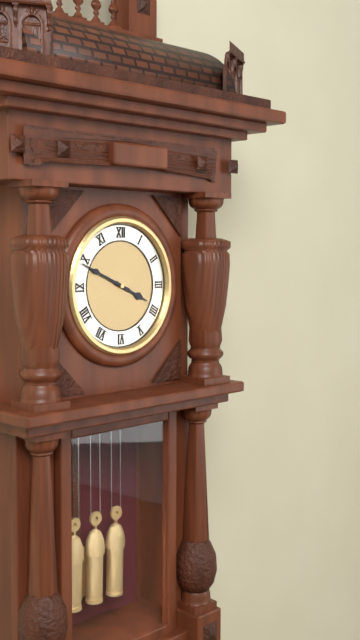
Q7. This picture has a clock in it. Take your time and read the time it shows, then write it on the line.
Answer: 3:49
